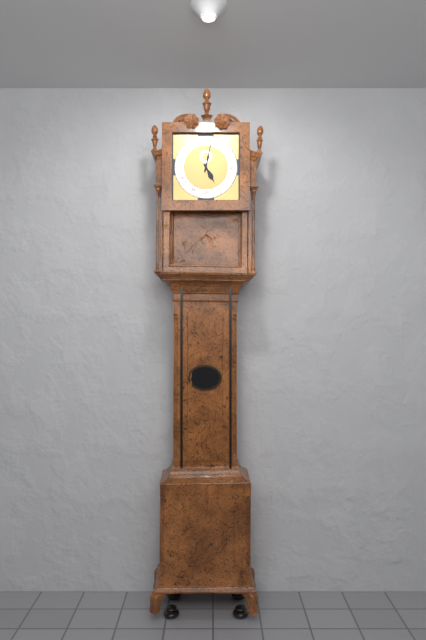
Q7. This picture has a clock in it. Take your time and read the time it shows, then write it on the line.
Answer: 5:02
